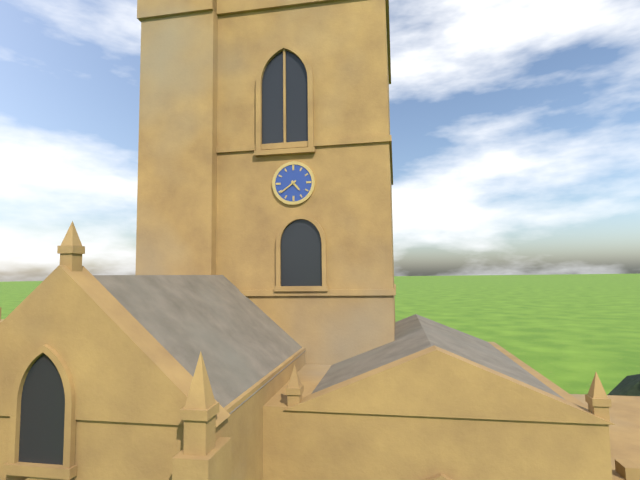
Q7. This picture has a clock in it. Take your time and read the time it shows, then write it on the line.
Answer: 4:39
